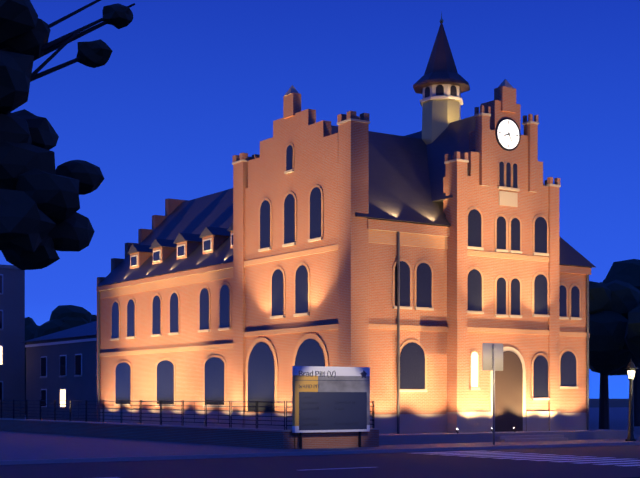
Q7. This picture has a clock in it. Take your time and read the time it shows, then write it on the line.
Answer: 8:25
